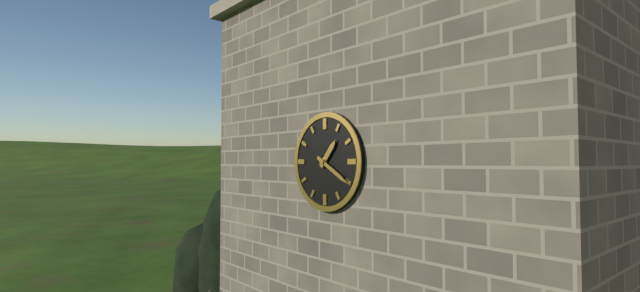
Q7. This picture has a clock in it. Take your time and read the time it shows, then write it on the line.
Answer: 1:20
